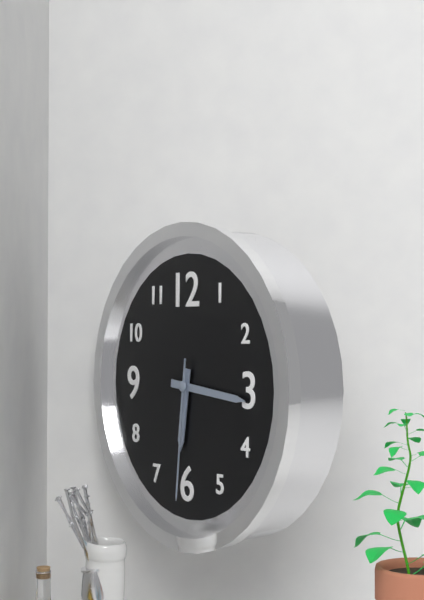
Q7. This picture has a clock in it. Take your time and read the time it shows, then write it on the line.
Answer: 6:16:31
